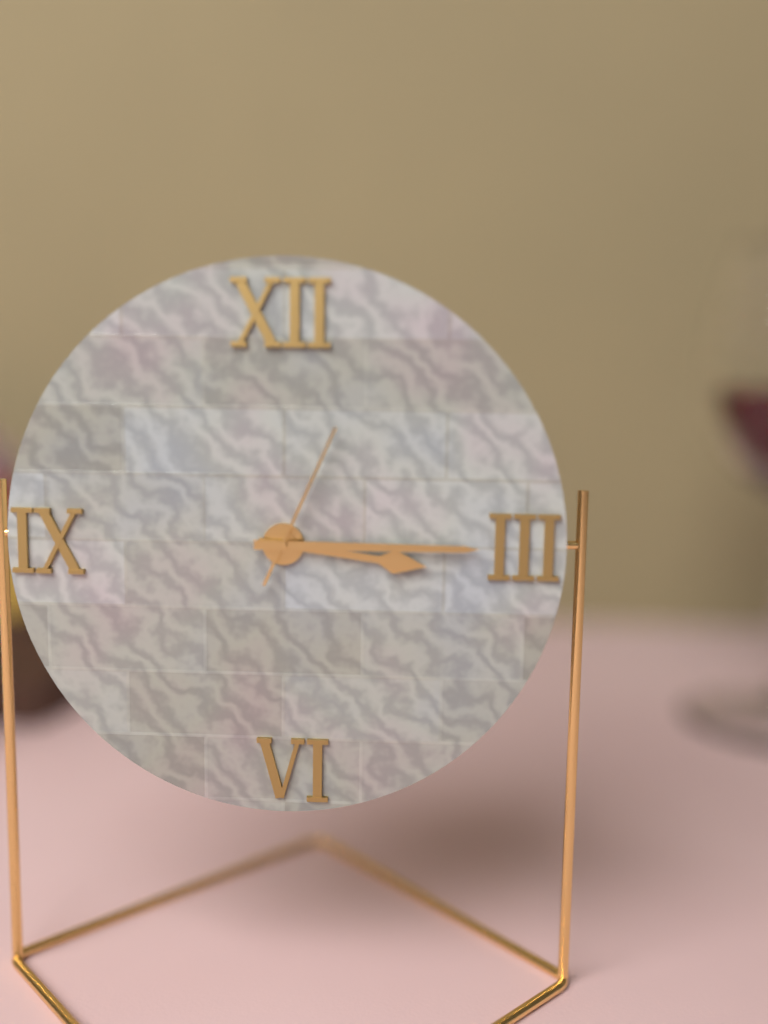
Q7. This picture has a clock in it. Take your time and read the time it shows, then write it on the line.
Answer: 3:15:04
